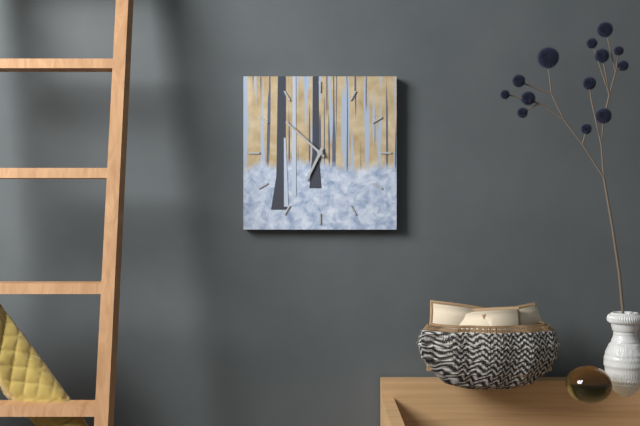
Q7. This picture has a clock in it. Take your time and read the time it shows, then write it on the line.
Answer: 6:52
